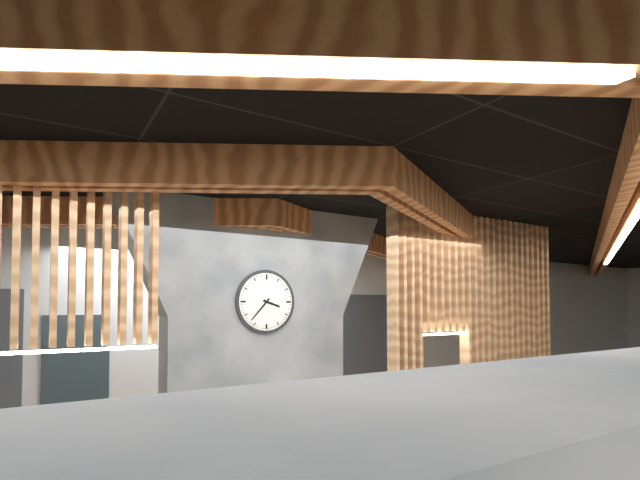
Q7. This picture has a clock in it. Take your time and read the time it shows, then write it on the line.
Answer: 3:37
